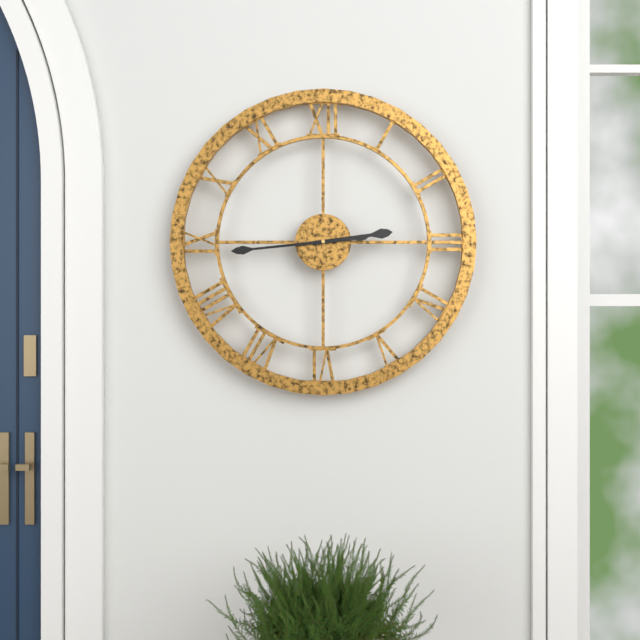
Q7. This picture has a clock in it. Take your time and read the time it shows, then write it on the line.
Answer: 2:44
